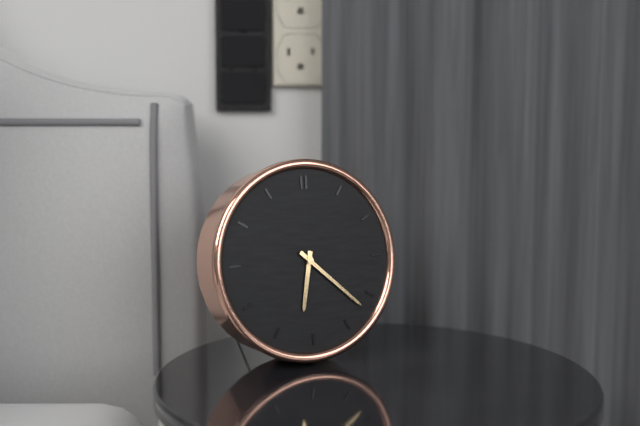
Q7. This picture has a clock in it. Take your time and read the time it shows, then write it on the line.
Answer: 6:22
